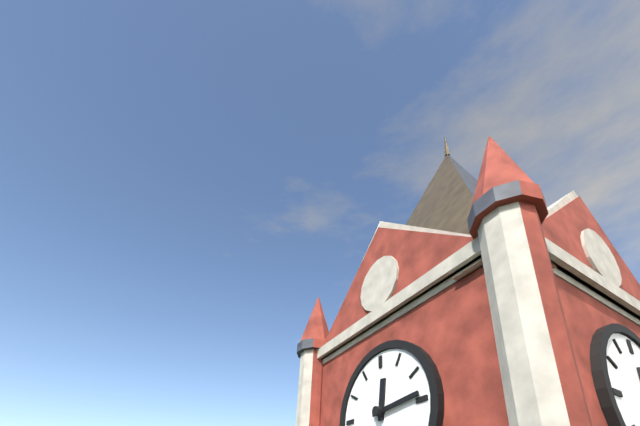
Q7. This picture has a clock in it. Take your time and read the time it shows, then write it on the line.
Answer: 12:14
